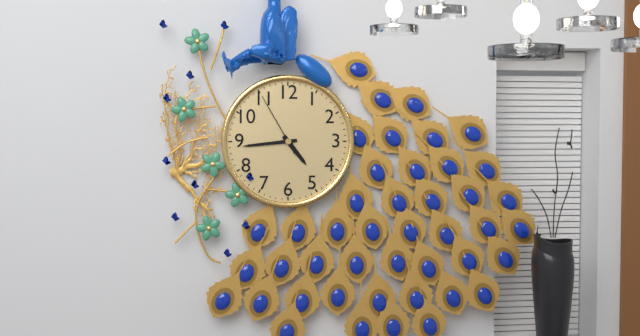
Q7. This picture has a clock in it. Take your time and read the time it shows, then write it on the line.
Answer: 4:44:55
